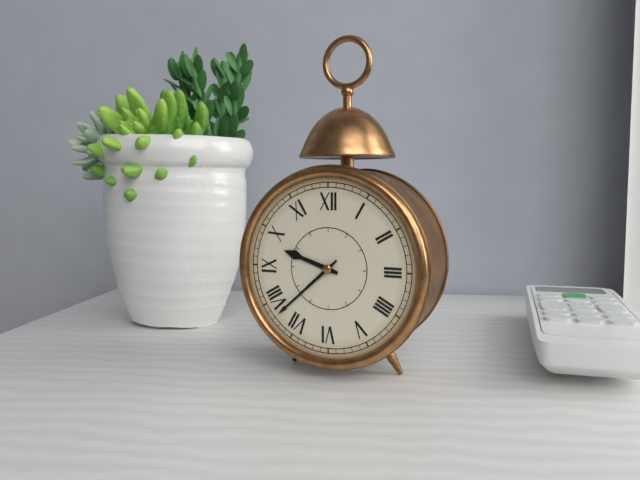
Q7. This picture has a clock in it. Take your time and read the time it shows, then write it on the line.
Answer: 9:38
